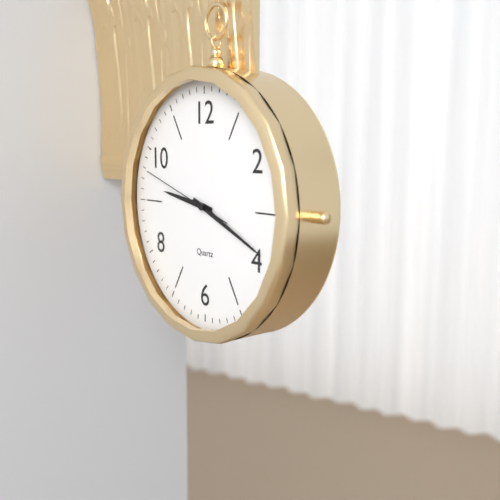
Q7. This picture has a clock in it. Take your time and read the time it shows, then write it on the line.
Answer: 9:19:48
